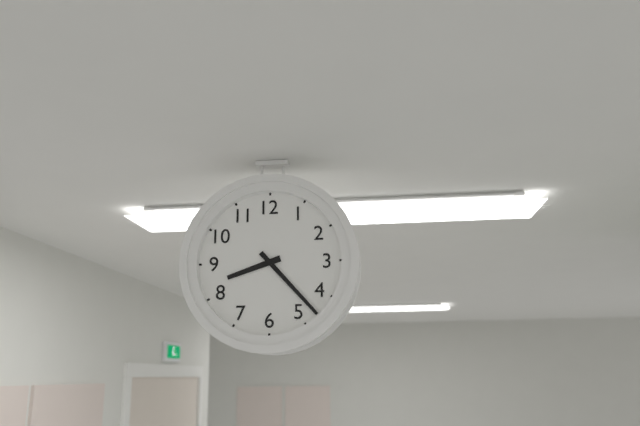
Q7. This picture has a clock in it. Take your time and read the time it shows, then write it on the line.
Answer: 8:23
